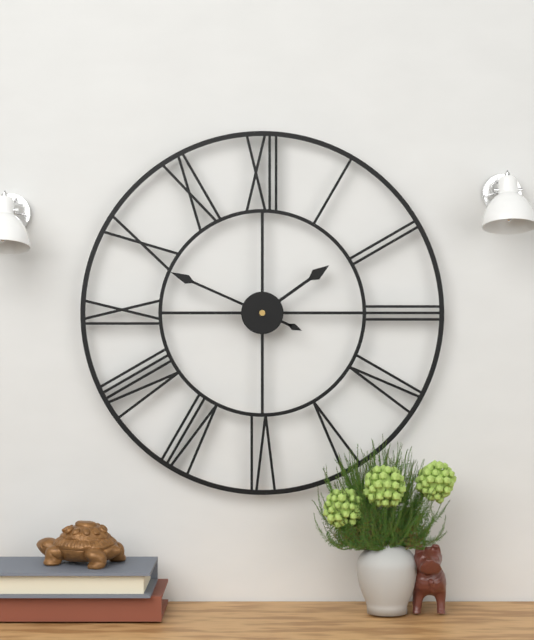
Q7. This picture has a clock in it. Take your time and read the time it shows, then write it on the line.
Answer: 1:49
